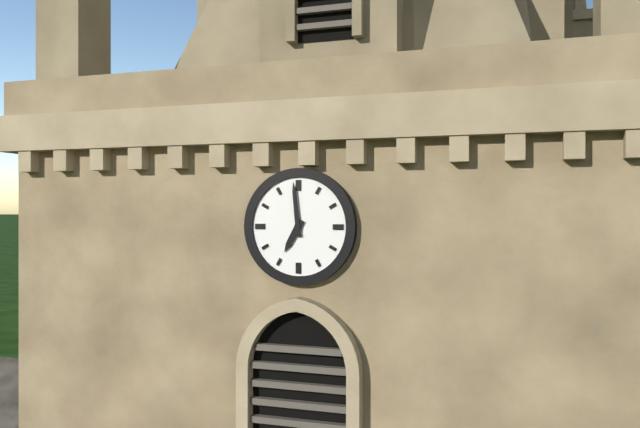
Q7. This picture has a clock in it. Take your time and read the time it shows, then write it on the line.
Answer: 6:59
